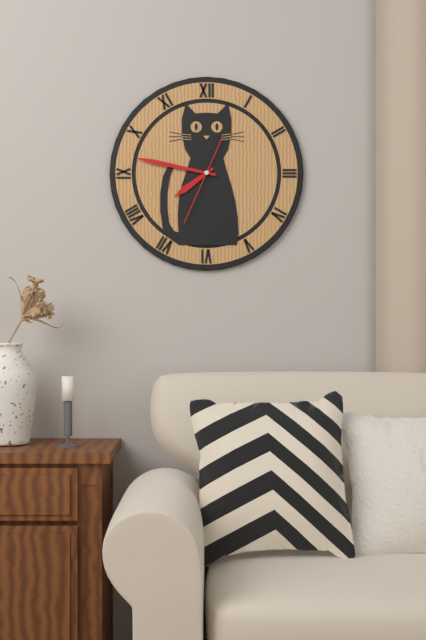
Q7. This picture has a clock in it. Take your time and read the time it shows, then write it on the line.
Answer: 7:47:34
